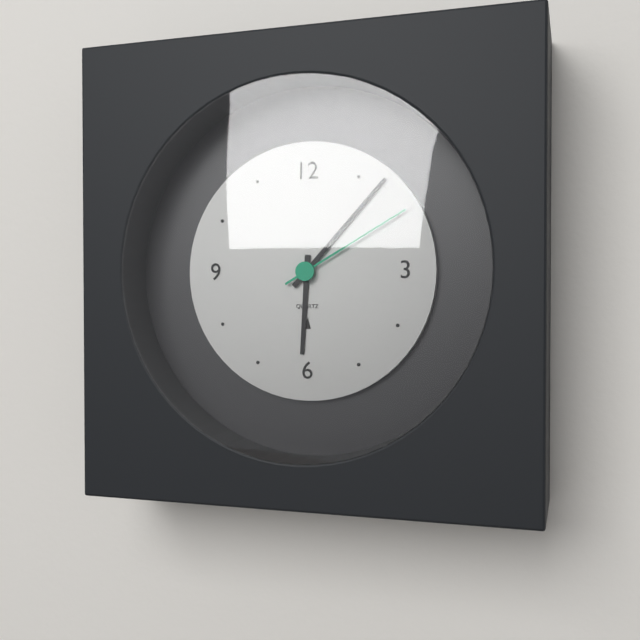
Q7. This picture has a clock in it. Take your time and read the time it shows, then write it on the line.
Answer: 6:07:10
